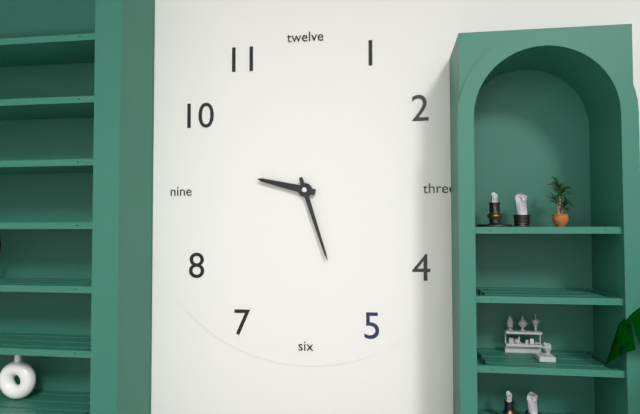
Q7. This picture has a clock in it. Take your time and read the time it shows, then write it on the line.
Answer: 9:27
